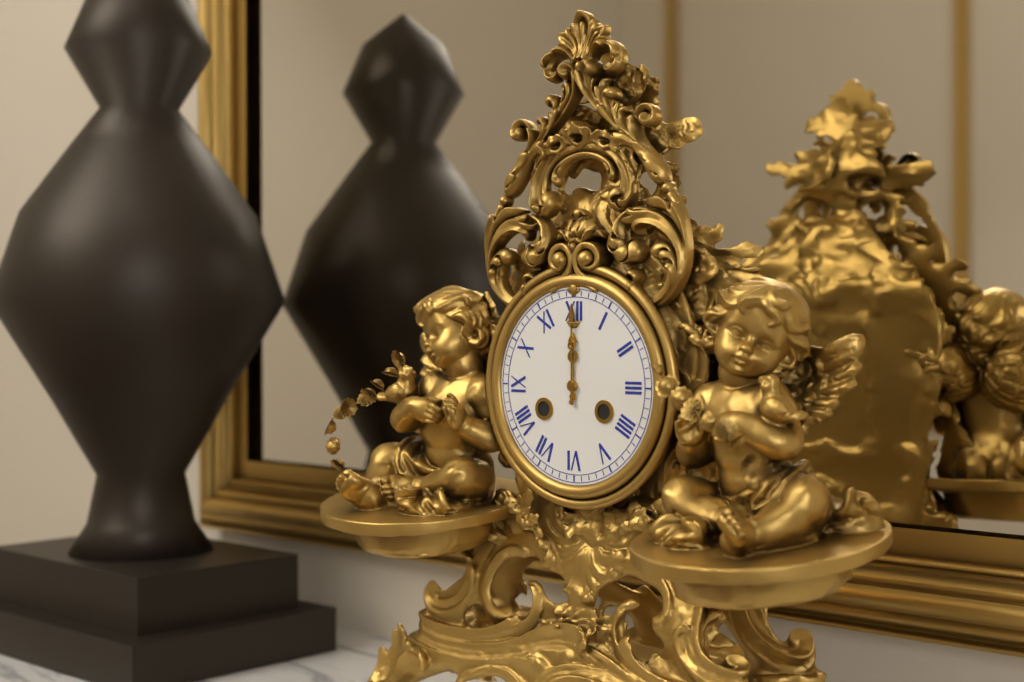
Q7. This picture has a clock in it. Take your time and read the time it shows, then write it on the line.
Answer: 12:00
